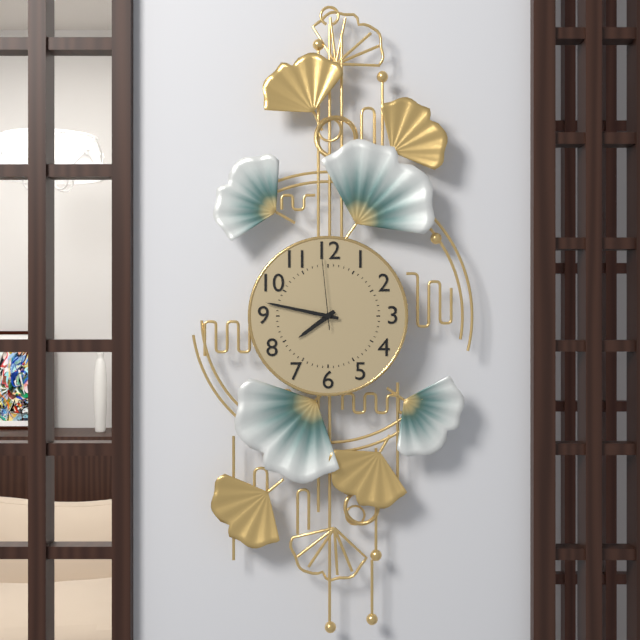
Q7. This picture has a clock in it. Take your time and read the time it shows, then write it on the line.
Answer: 7:47:59
